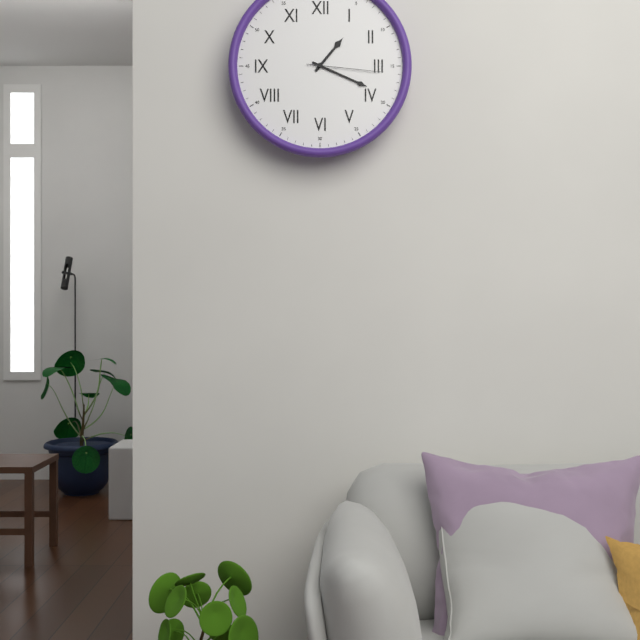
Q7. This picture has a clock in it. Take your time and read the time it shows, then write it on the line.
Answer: 1:19:16
